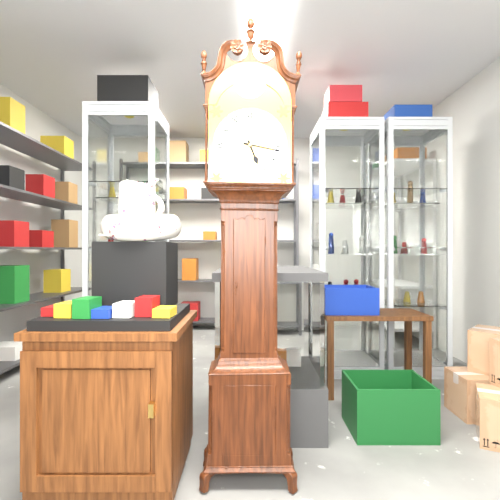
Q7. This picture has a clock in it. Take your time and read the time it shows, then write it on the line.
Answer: 5:17
